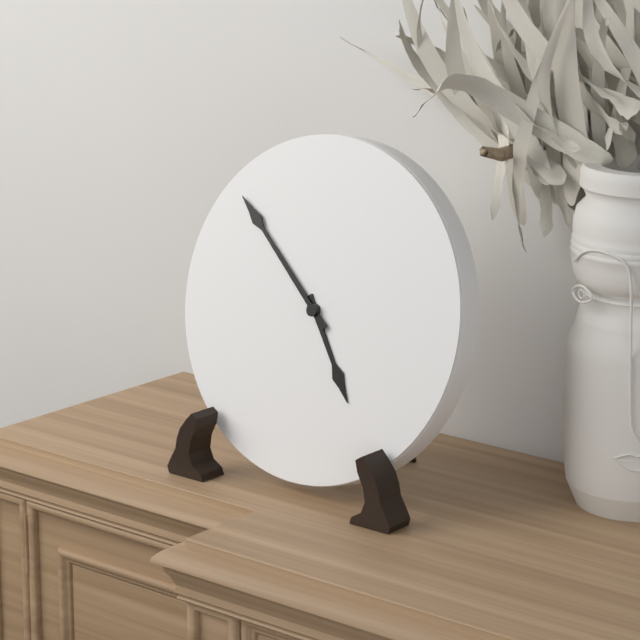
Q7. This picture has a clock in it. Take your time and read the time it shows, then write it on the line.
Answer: 4:52
